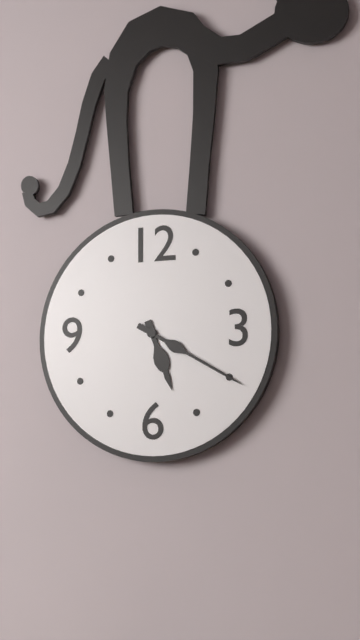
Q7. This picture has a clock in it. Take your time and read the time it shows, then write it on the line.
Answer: 5:20
